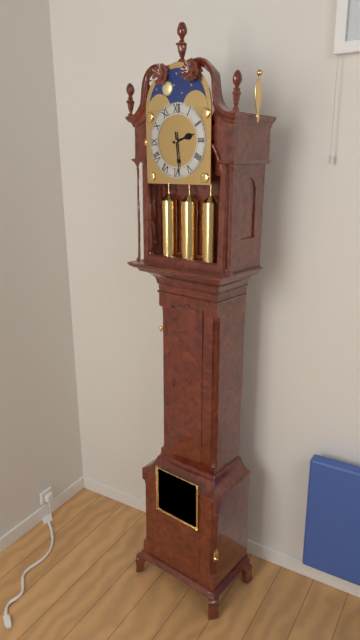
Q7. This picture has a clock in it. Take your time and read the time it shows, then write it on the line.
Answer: 2:29
